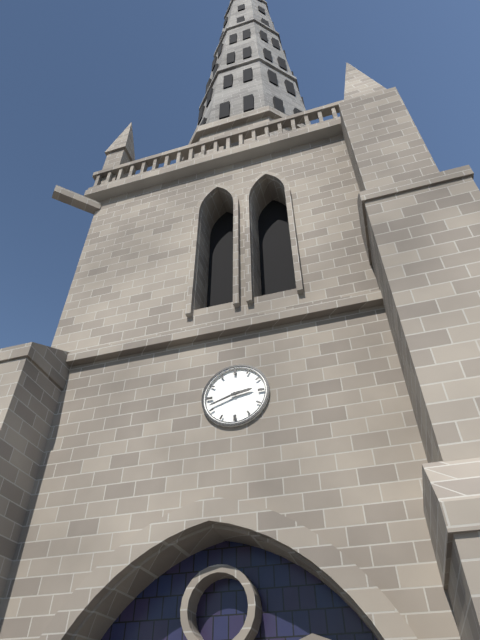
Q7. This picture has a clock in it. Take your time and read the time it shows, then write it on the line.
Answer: 2:42
